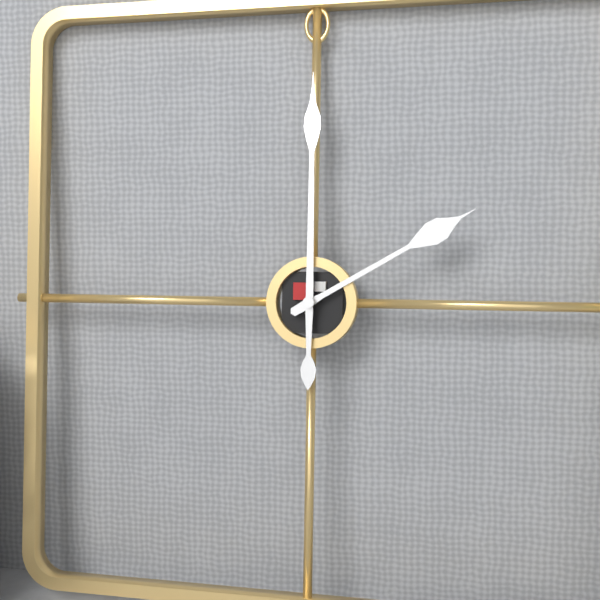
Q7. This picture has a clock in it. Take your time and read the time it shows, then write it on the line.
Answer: 2:00
